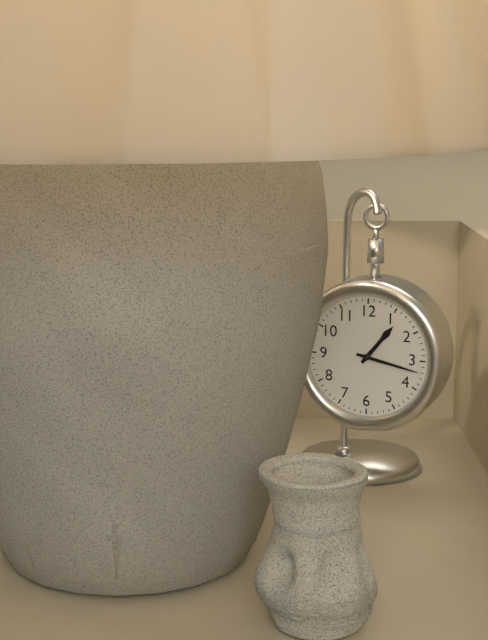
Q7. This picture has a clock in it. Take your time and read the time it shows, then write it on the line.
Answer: 1:17
